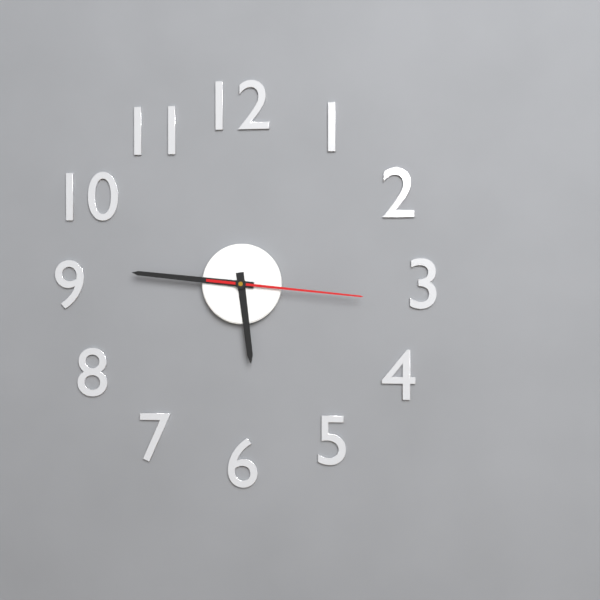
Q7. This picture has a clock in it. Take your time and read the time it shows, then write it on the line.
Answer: 5:46:16
